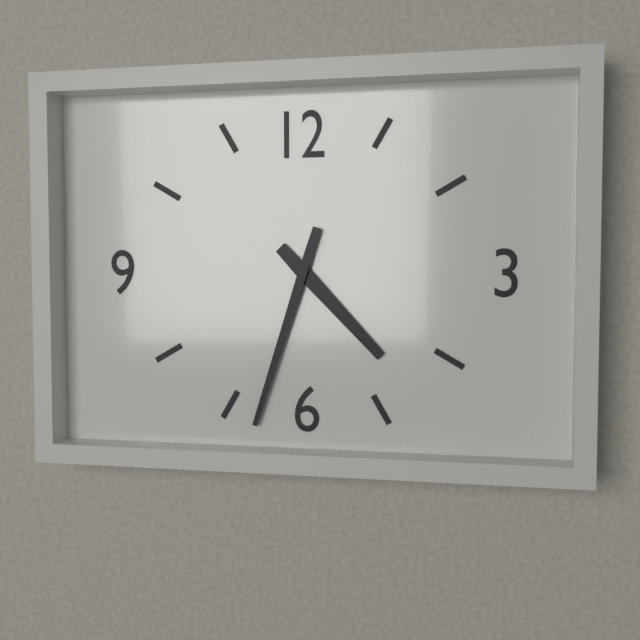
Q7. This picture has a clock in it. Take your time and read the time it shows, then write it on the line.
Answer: 4:33
